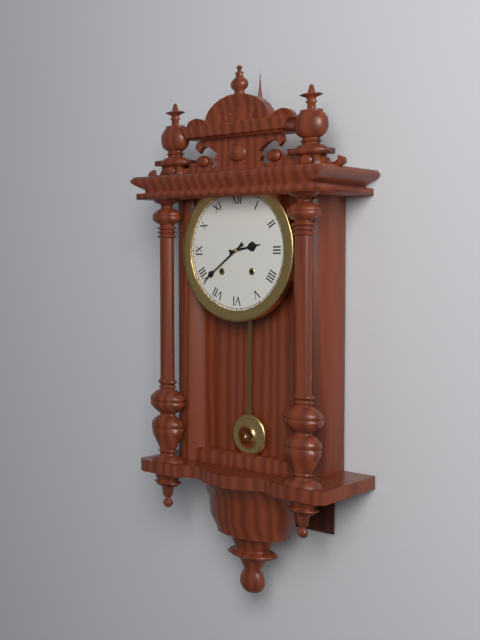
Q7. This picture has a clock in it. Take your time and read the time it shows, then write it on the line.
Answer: 2:39
